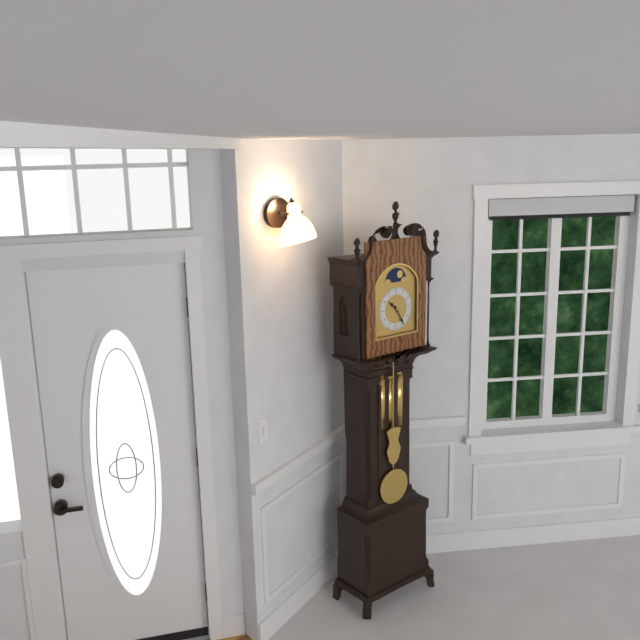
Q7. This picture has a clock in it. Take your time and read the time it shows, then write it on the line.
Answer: 10:25
